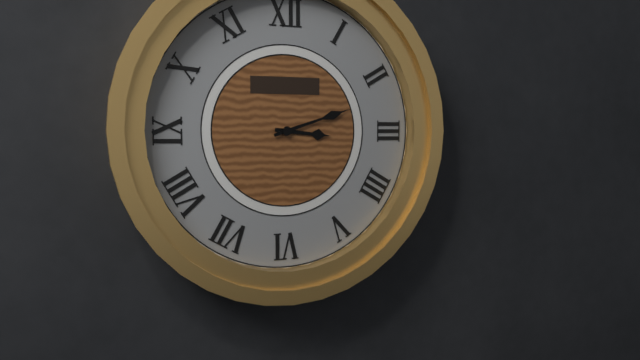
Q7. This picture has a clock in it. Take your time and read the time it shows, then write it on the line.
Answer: 3:12
